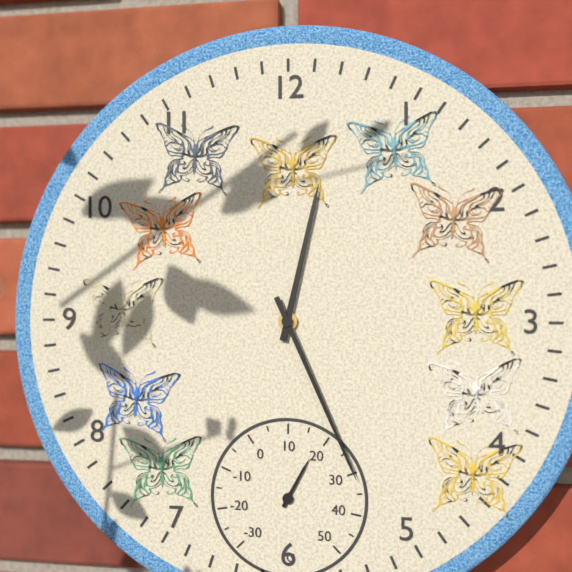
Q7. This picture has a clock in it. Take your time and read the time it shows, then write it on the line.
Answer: 12:26
